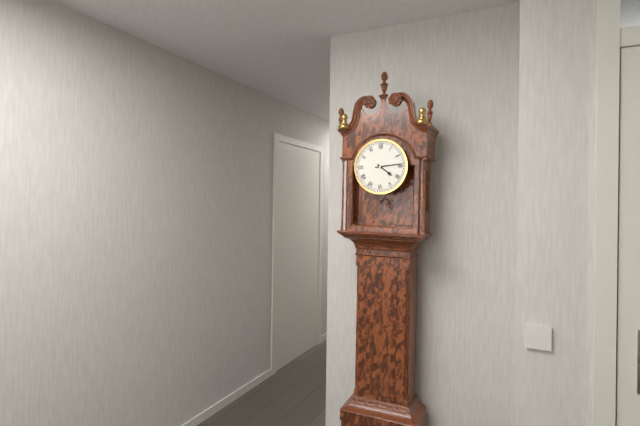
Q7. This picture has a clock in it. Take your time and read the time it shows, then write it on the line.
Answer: 4:14
